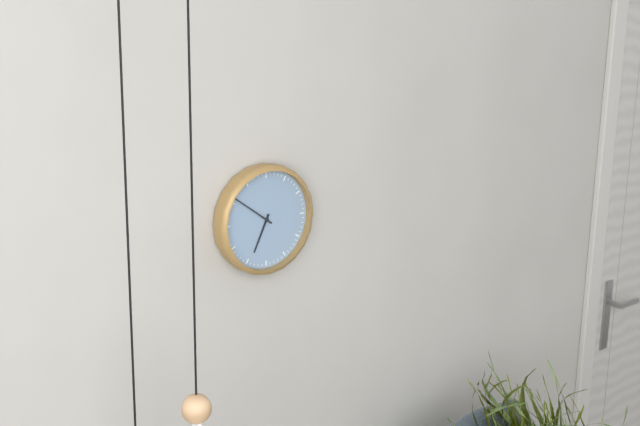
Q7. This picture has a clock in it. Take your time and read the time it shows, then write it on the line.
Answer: 6:51
